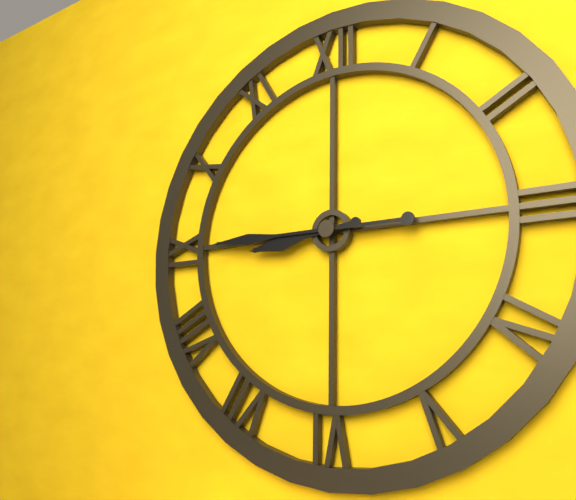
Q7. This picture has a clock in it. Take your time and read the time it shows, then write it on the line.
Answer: 8:45
